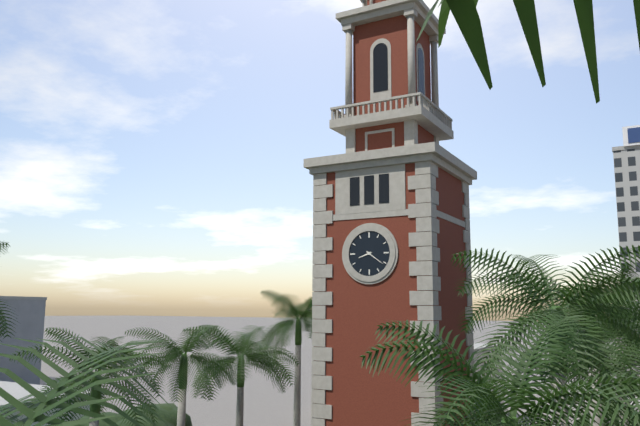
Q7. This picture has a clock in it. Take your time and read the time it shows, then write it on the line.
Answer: 8:21
